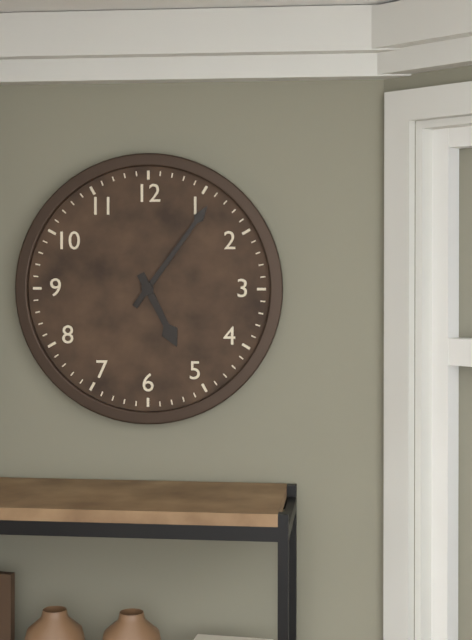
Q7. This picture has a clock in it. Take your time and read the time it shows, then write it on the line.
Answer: 5:06
